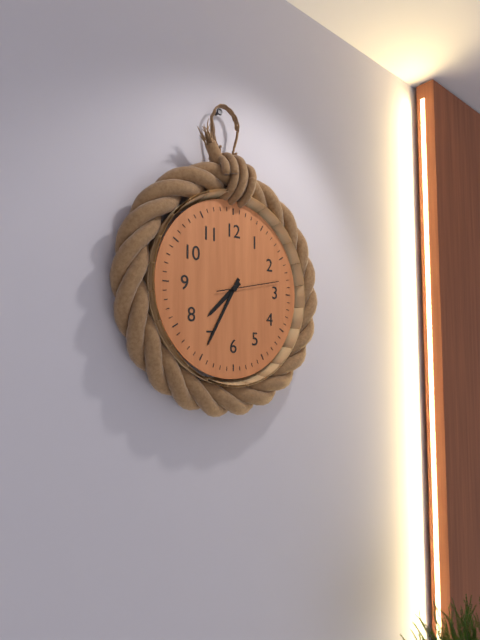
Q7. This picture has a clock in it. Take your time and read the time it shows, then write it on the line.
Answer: 7:35:13
